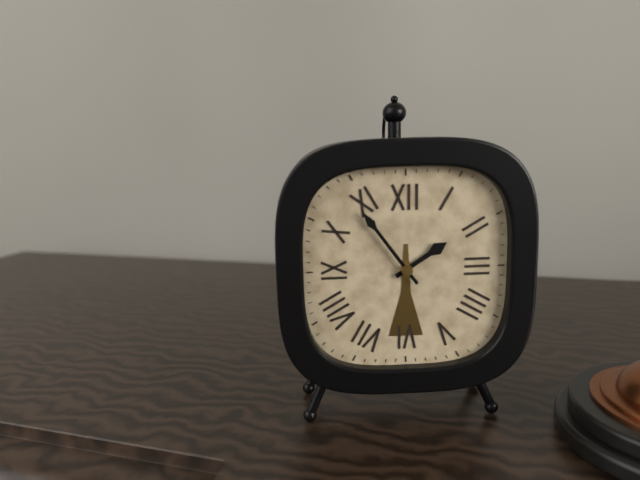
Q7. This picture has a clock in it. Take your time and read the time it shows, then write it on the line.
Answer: 1:54
